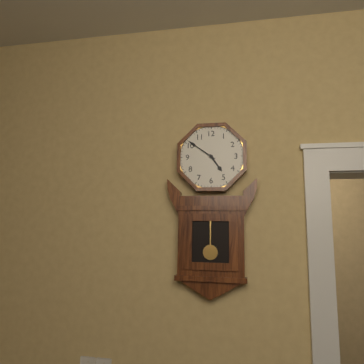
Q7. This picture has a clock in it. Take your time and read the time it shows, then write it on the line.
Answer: 4:51
